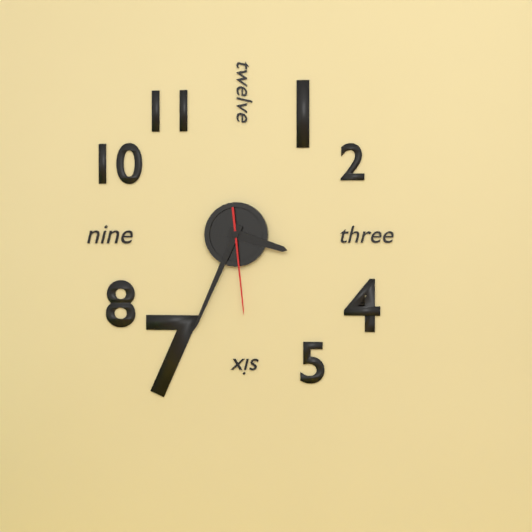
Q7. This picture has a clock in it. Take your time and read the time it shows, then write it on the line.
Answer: 3:34:29
